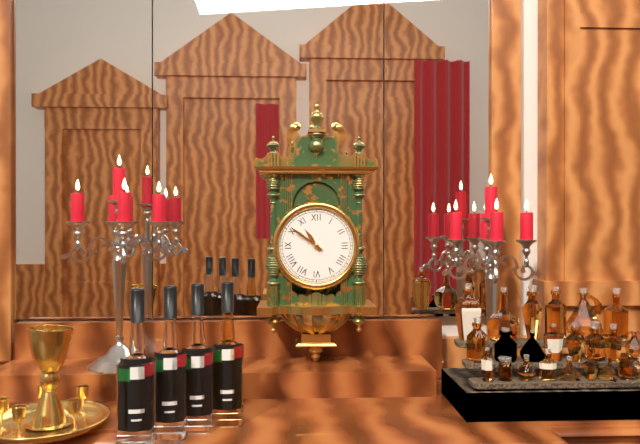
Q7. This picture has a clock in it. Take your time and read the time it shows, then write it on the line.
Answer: 10:51
